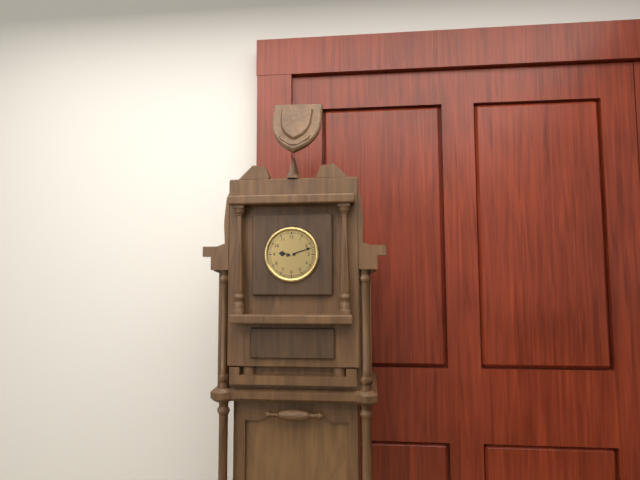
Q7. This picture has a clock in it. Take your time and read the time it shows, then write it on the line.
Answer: 9:12
